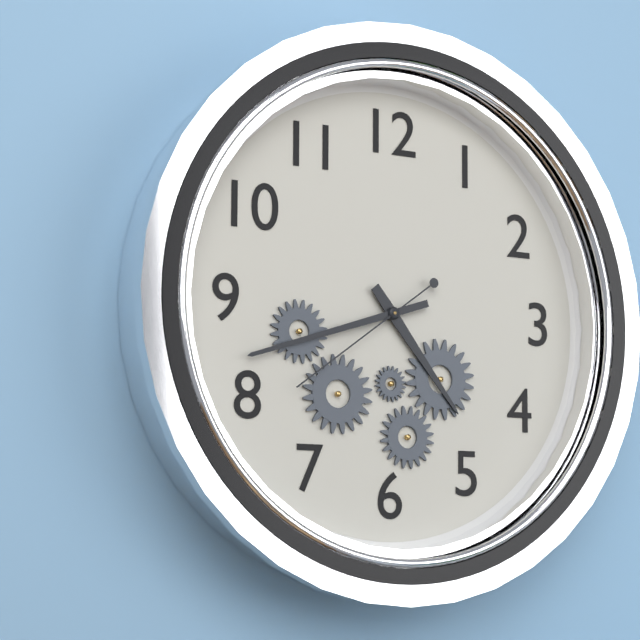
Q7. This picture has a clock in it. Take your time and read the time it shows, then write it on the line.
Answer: 4:42:39
